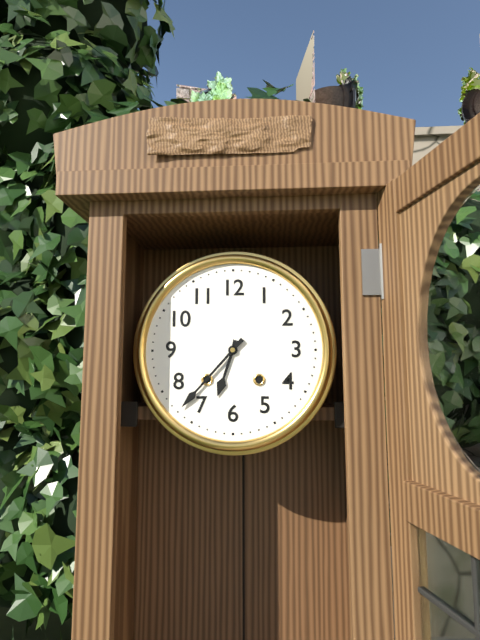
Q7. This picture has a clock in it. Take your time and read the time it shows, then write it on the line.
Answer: 6:37
